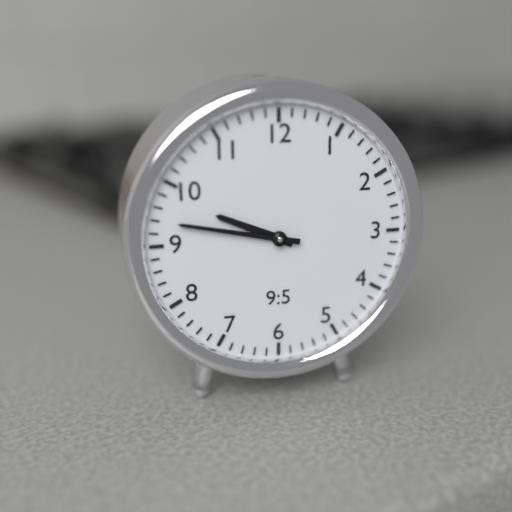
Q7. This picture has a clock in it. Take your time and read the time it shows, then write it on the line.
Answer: 9:47
